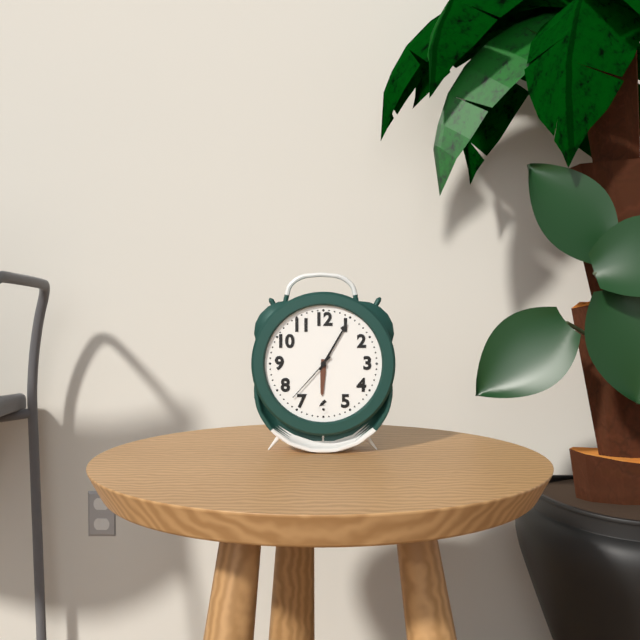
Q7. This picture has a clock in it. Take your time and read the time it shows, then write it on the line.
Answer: 6:05:37
